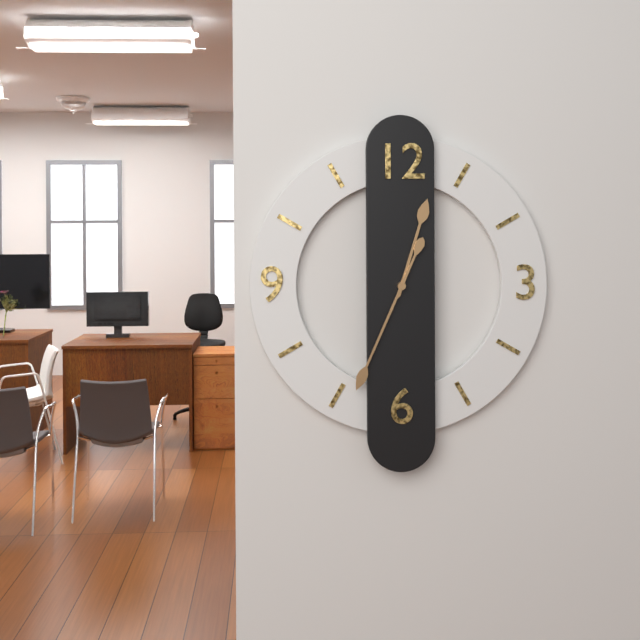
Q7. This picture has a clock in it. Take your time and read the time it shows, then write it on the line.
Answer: 12:34
